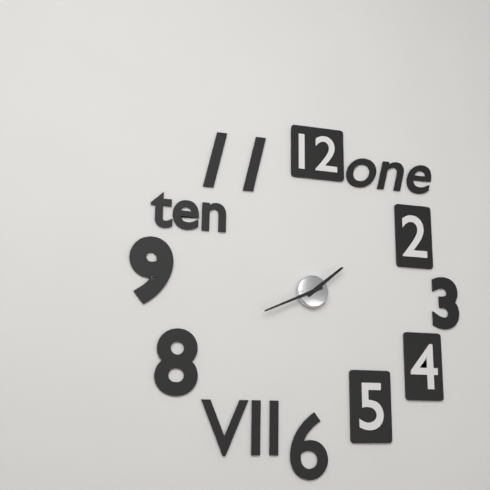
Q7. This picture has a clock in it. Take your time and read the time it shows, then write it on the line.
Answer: 1:41
